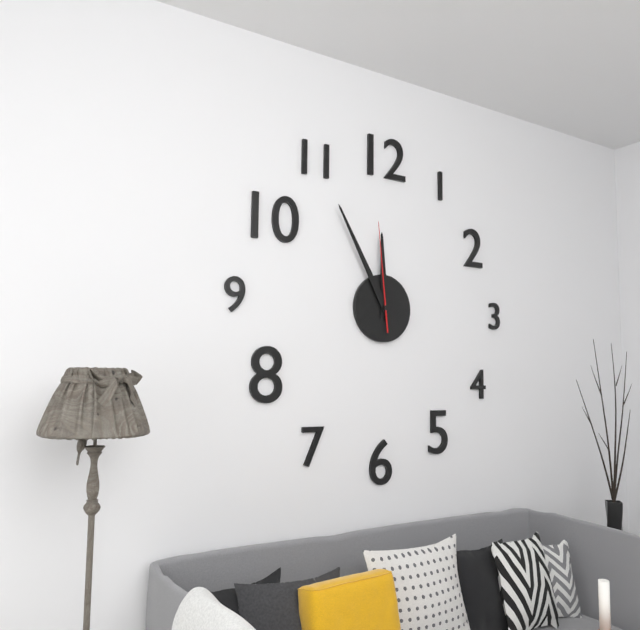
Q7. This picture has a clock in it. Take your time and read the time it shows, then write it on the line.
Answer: 11:55:59
